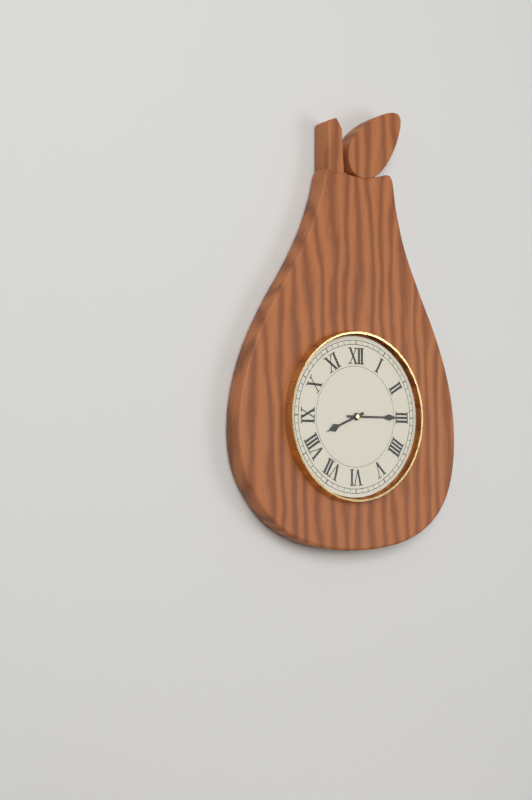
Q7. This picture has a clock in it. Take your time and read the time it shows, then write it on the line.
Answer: 8:15
